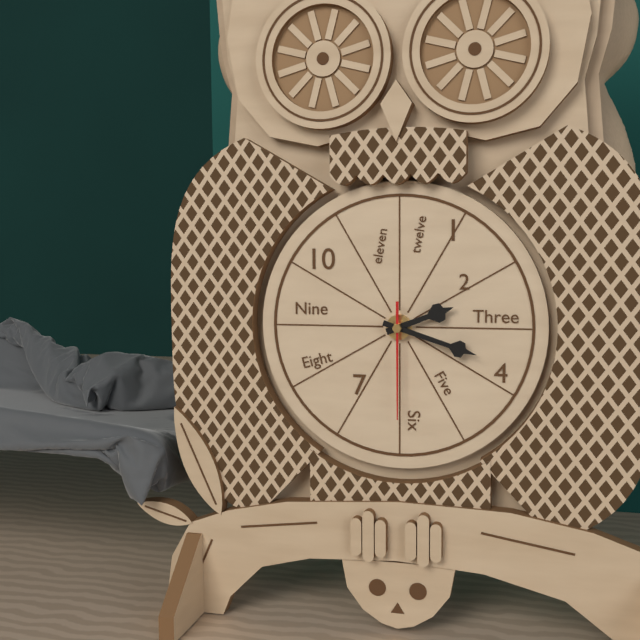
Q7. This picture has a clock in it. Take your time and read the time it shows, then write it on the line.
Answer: 2:18:30
